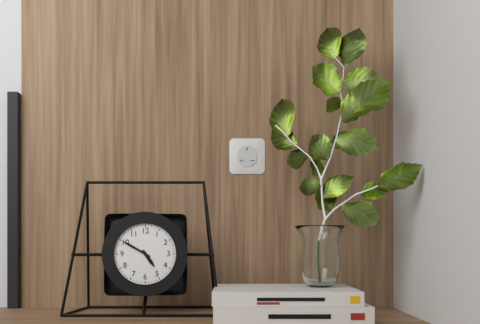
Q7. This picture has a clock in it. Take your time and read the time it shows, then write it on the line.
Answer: 4:50
